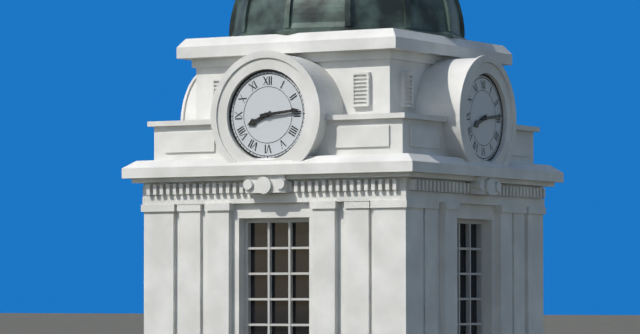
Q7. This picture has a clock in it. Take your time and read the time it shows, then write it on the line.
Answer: 8:14
